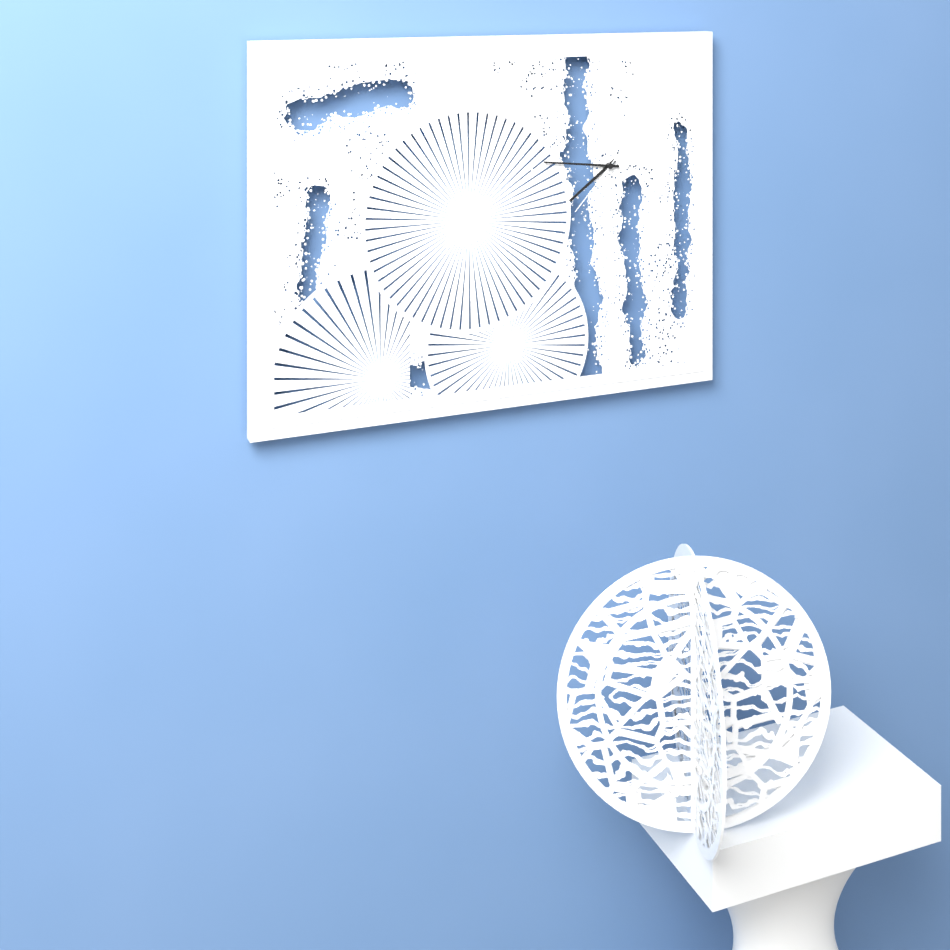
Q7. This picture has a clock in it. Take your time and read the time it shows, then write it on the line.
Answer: 7:46:37
